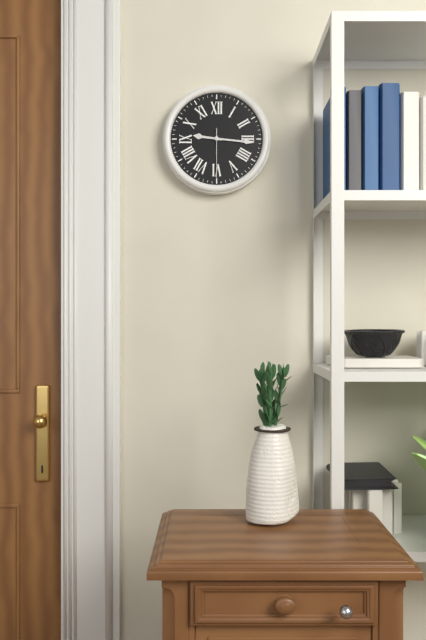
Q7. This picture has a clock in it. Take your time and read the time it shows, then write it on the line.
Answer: 9:16:30
